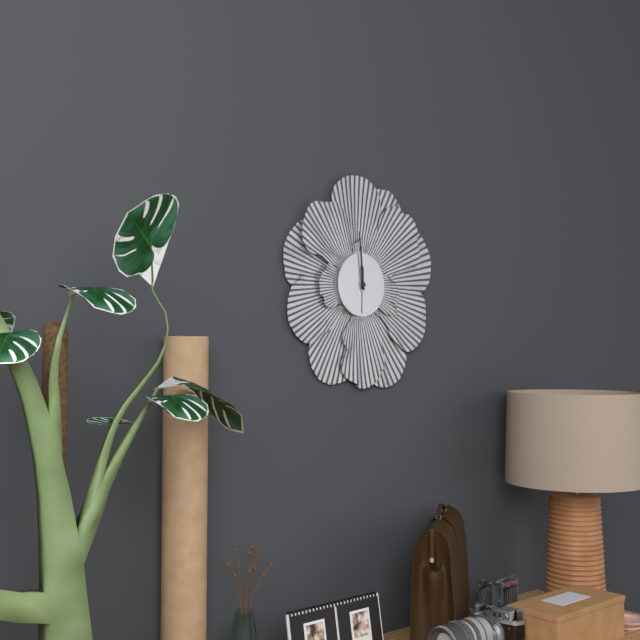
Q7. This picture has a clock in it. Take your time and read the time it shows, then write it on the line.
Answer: 11:59
